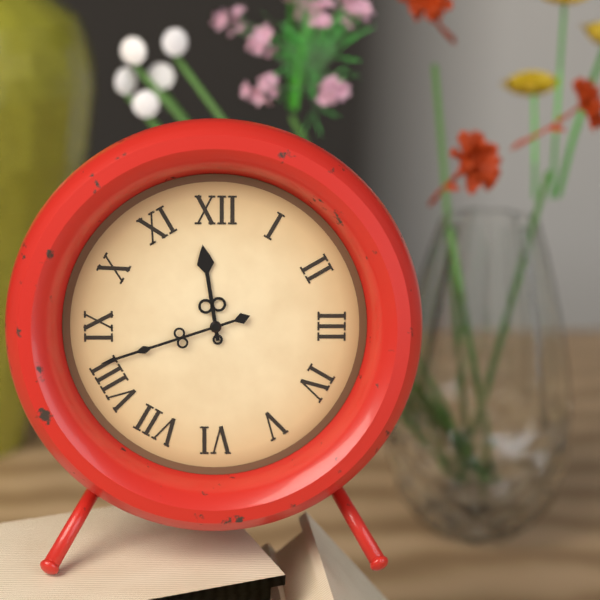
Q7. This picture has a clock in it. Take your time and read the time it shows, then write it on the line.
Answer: 11:42
